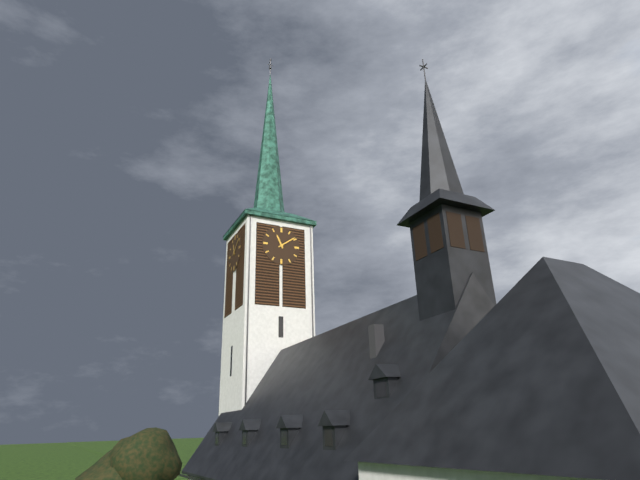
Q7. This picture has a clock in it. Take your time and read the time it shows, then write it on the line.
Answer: 11:09
